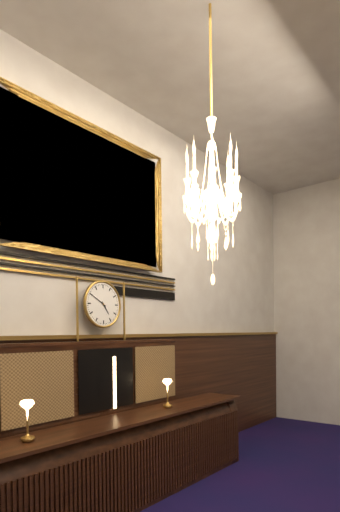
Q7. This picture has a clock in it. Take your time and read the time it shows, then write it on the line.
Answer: 4:50
